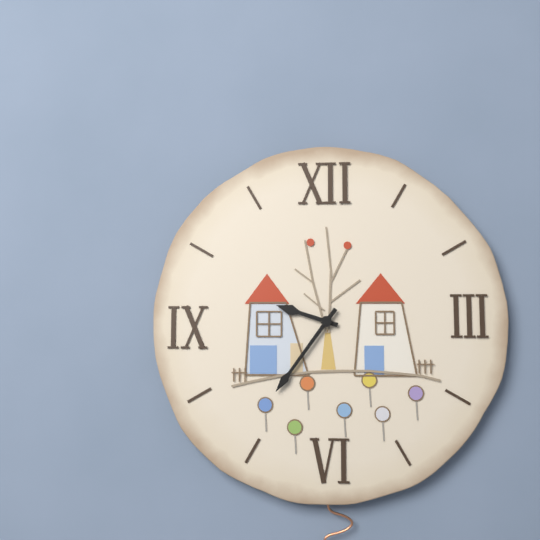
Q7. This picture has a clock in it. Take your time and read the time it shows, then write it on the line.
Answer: 9:36
